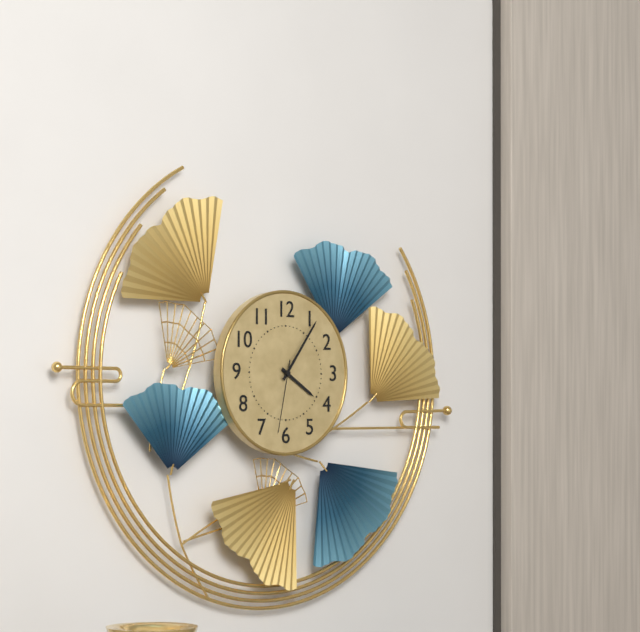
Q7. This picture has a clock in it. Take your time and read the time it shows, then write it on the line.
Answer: 4:06:32
